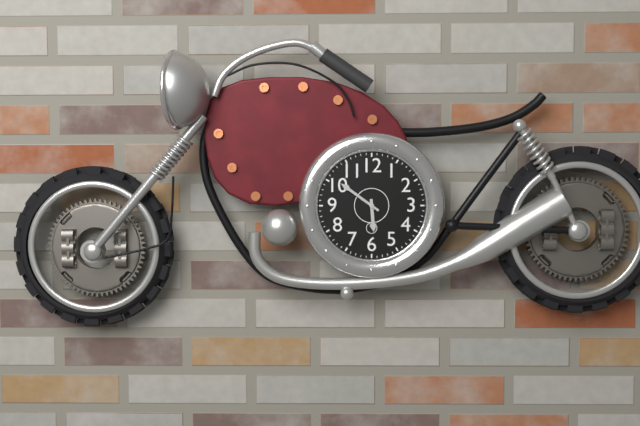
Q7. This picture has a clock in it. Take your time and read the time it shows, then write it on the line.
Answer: 5:51
